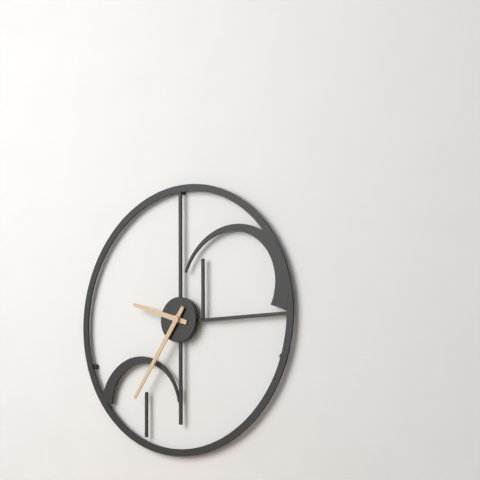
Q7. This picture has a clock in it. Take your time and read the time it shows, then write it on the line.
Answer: 9:36
